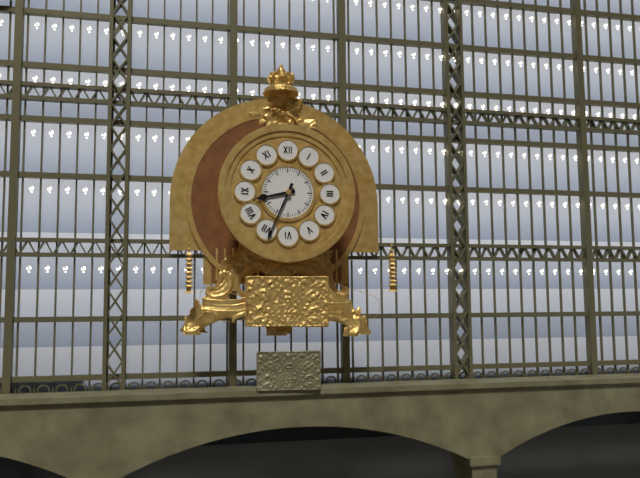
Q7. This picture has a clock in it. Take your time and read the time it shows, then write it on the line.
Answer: 8:34
